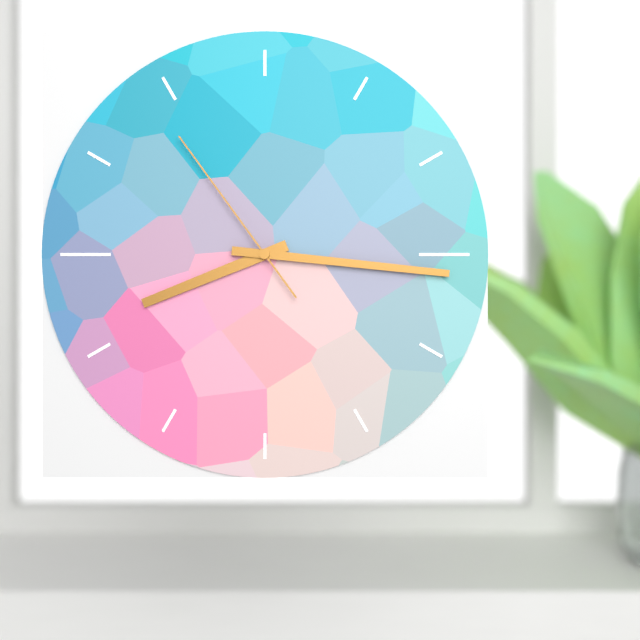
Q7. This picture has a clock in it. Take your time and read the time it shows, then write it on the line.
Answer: 8:16:54
